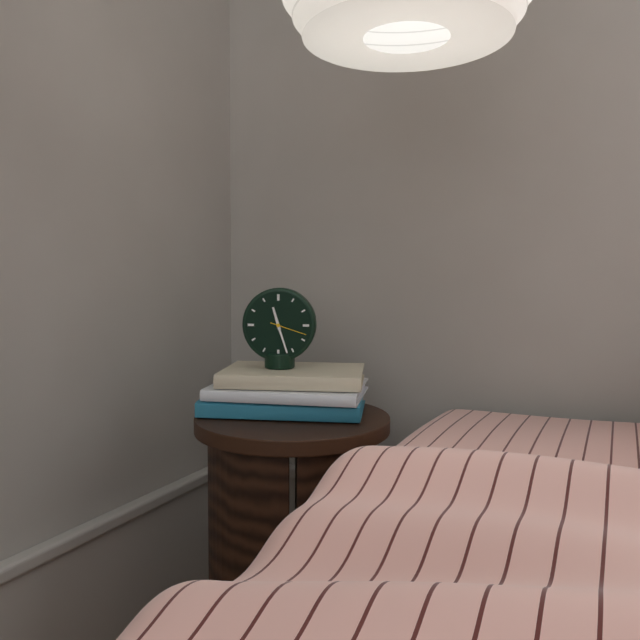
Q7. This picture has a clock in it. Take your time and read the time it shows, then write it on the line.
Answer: 11:27
